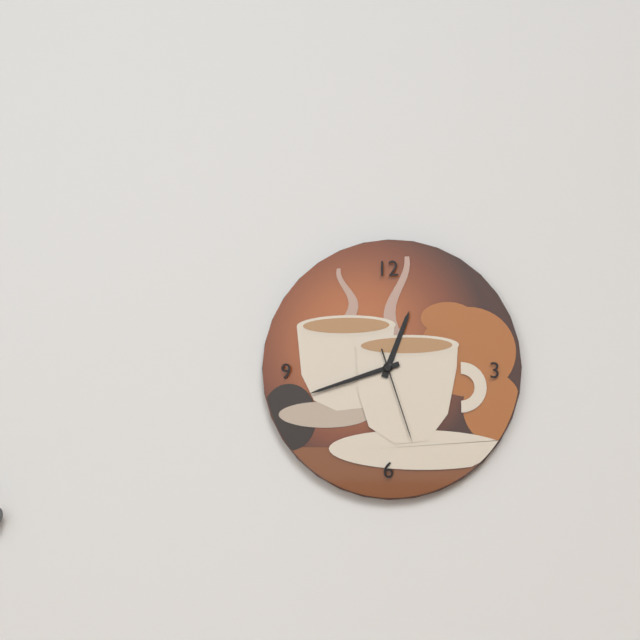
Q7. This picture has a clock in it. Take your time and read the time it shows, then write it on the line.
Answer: 12:42:27
